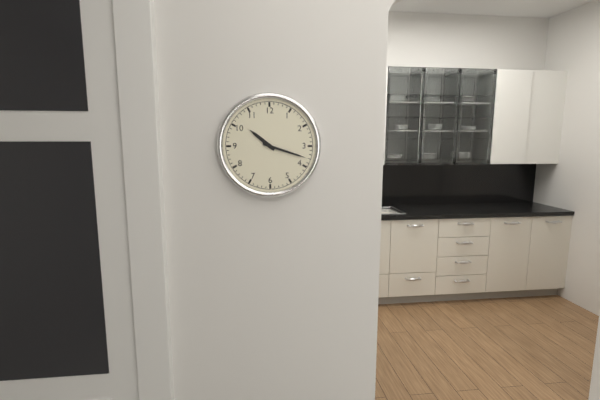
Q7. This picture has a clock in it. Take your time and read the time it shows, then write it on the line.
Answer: 10:18
